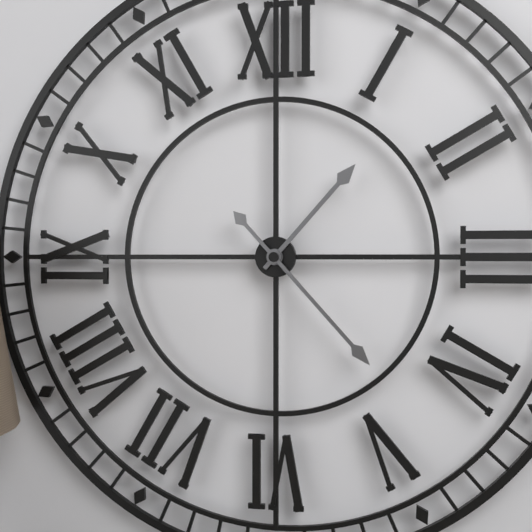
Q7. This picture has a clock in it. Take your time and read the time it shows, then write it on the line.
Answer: 1:23
